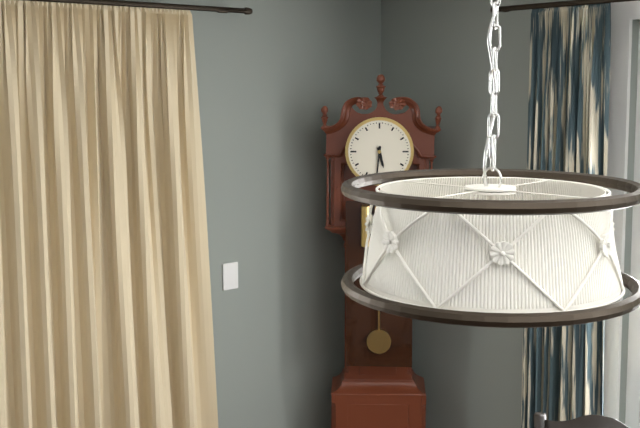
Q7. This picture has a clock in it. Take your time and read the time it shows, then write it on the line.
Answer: 5:31
